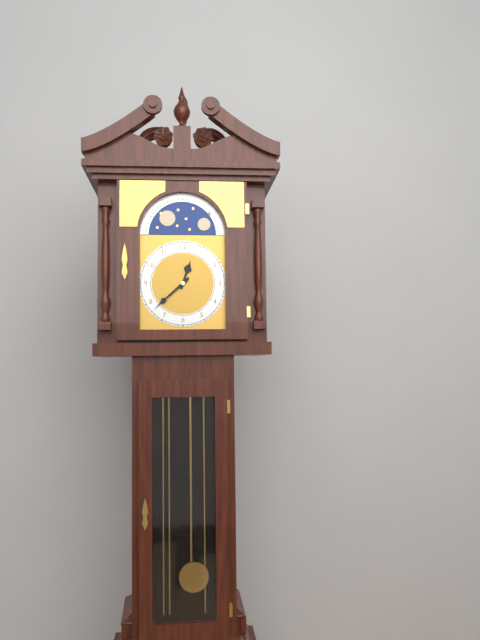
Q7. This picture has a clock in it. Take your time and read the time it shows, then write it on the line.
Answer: 12:38
